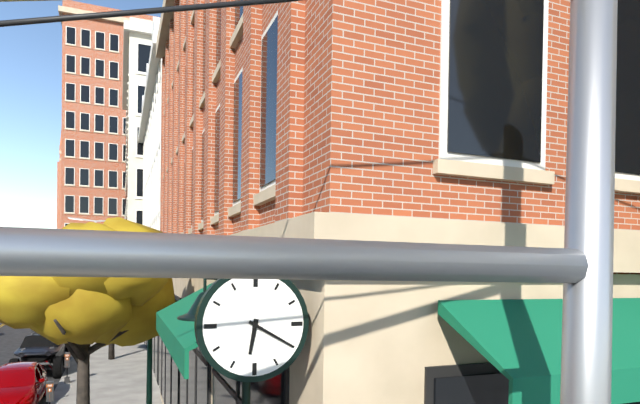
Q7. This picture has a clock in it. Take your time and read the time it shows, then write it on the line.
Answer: 6:20
